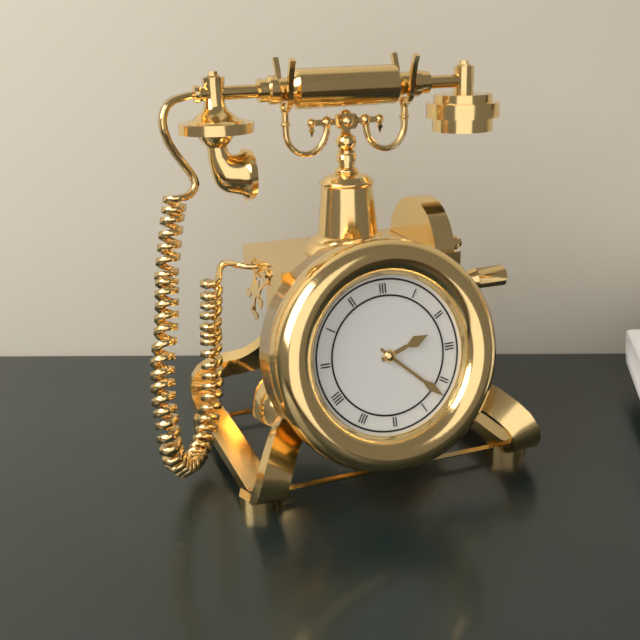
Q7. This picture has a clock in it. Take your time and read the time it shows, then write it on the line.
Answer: 2:22
